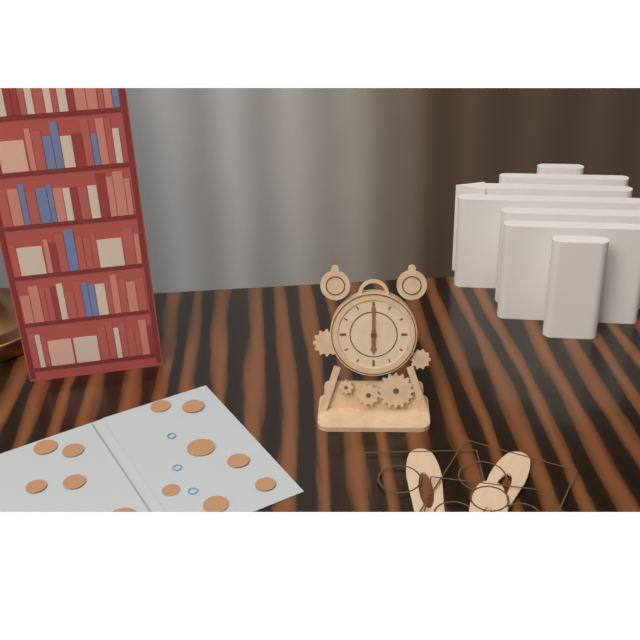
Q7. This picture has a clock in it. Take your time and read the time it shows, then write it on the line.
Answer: 6:00
